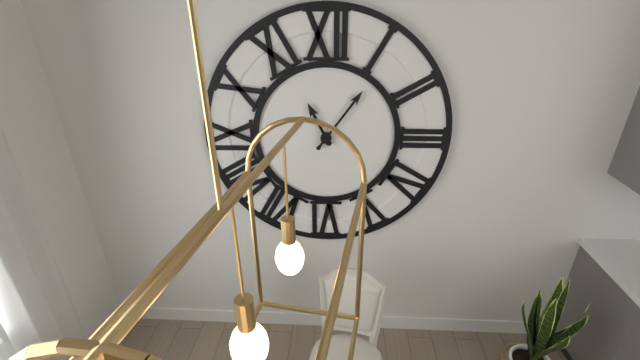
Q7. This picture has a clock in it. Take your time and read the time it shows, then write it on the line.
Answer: 11:06
